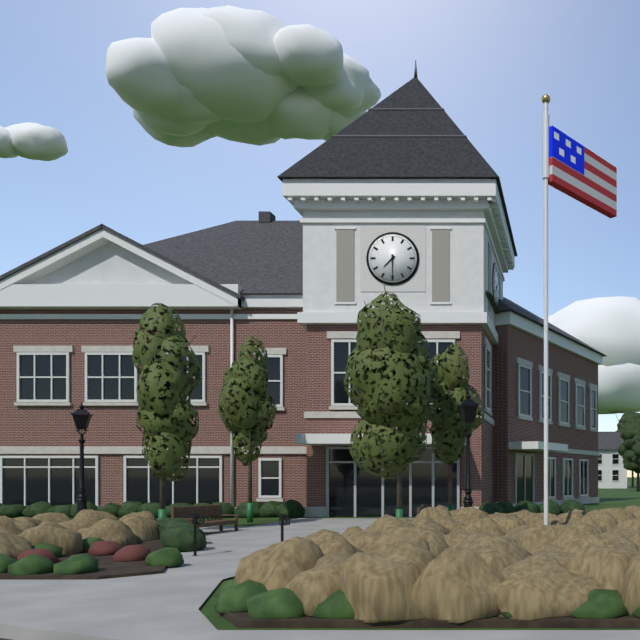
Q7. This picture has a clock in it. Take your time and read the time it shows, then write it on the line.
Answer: 7:30
